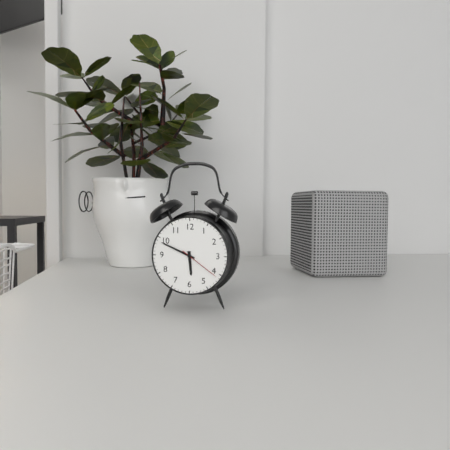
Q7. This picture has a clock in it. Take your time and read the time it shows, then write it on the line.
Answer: 5:49
